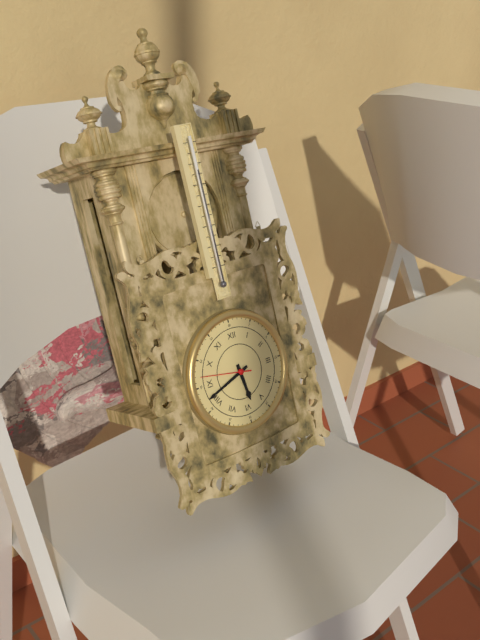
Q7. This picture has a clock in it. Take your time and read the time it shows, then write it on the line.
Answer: 5:42:47
